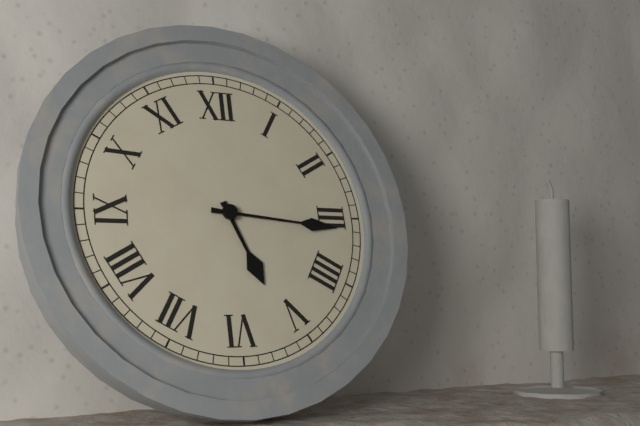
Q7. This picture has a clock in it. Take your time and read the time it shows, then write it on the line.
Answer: 5:16
